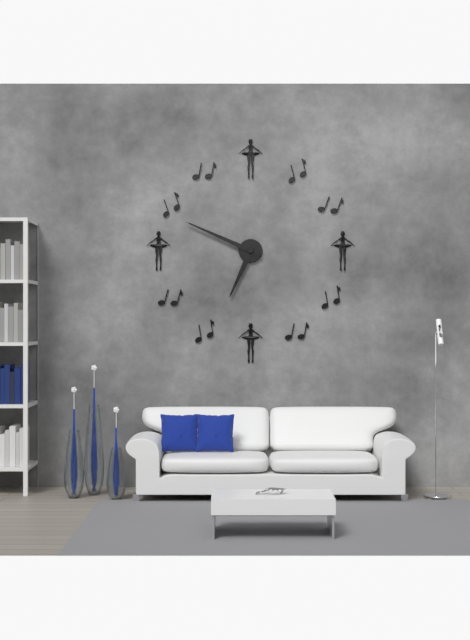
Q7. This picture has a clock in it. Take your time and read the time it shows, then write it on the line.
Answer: 6:49
